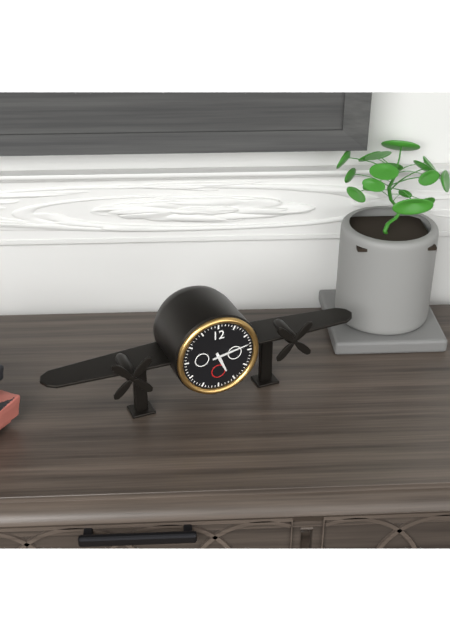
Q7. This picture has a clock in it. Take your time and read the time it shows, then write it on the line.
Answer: 5:13
